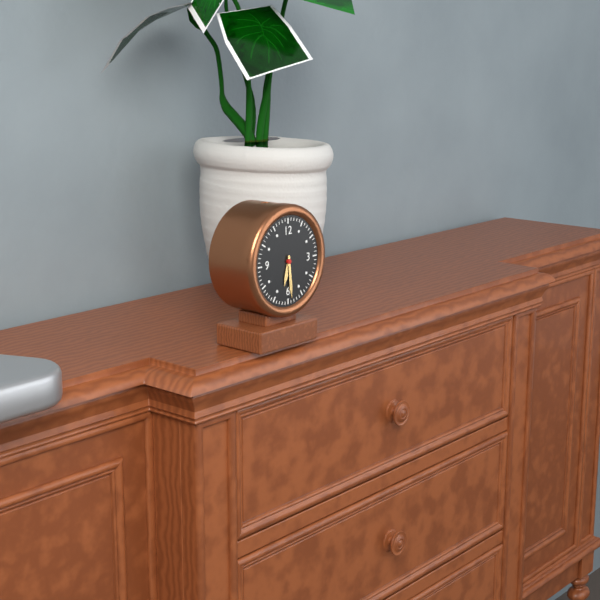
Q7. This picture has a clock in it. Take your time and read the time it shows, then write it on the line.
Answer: 6:29
